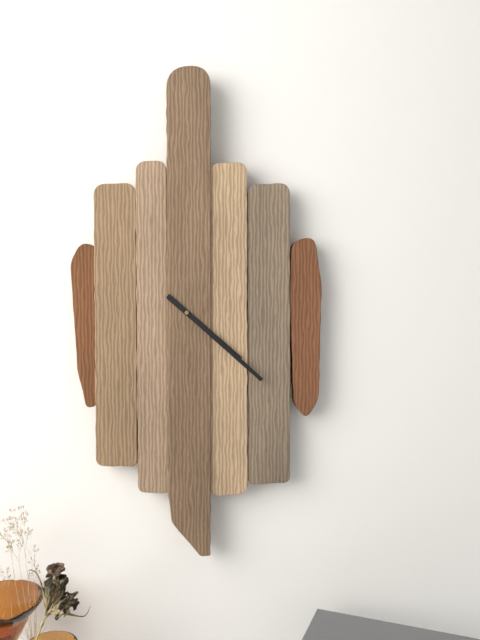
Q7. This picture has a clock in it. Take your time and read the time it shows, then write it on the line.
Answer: 4:22
